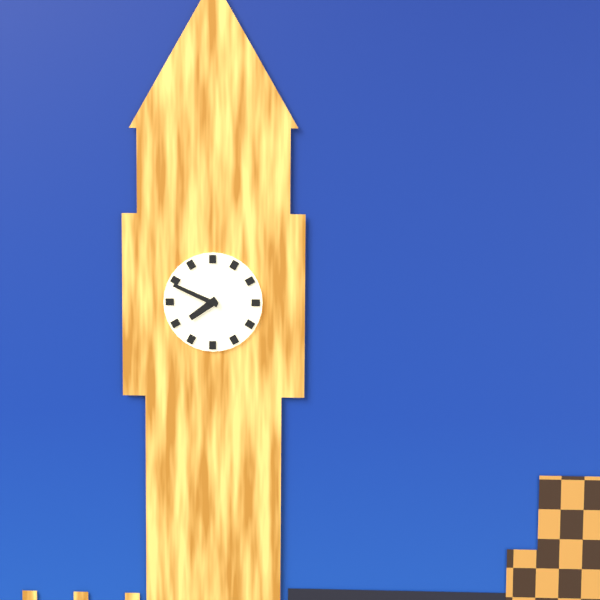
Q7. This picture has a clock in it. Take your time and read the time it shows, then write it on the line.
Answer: 7:49
